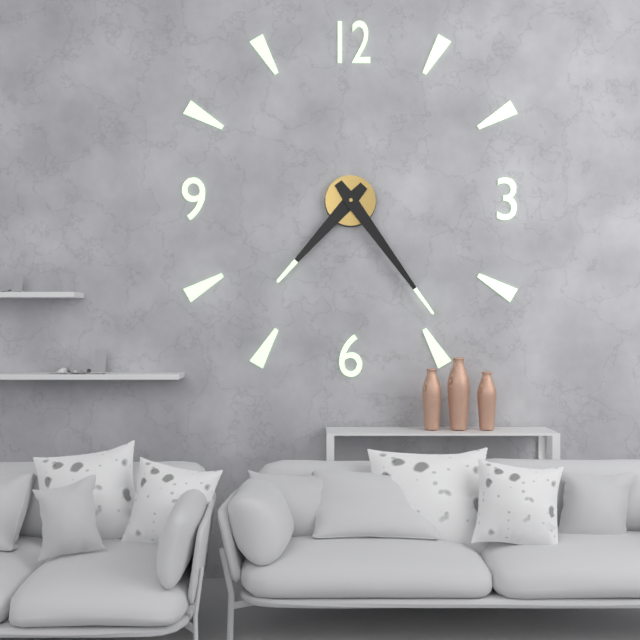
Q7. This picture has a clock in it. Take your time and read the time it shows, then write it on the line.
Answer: 7:24
